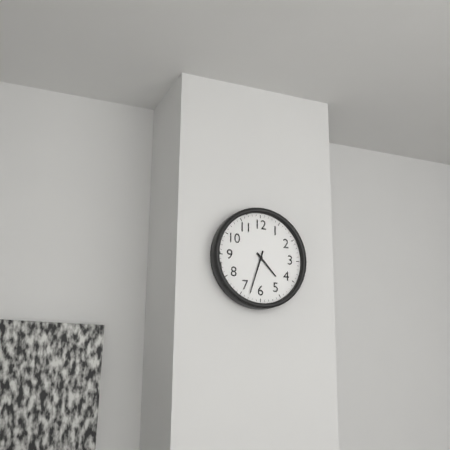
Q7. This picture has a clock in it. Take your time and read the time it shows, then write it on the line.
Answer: 4:33
